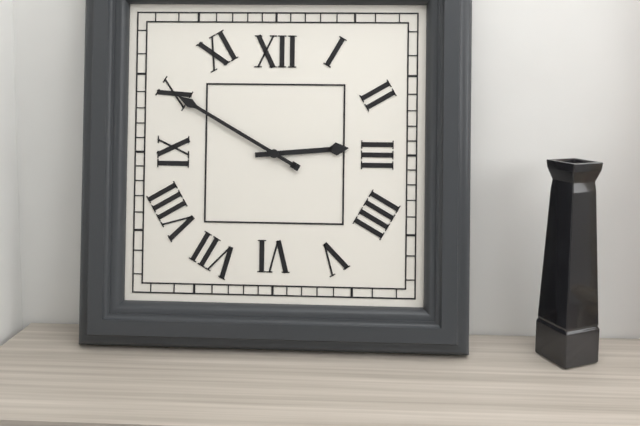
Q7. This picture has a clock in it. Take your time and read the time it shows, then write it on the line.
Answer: 2:50
